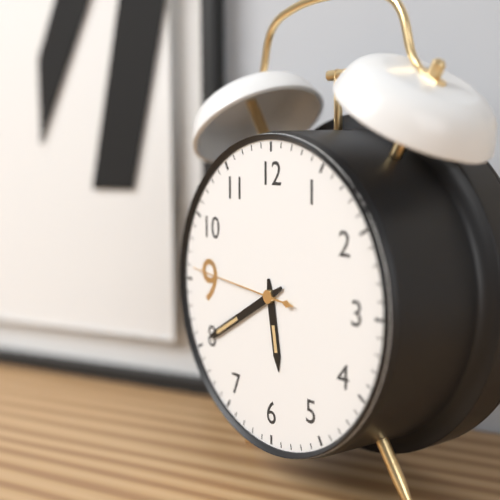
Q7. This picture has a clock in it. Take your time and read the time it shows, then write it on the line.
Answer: 5:40:46
